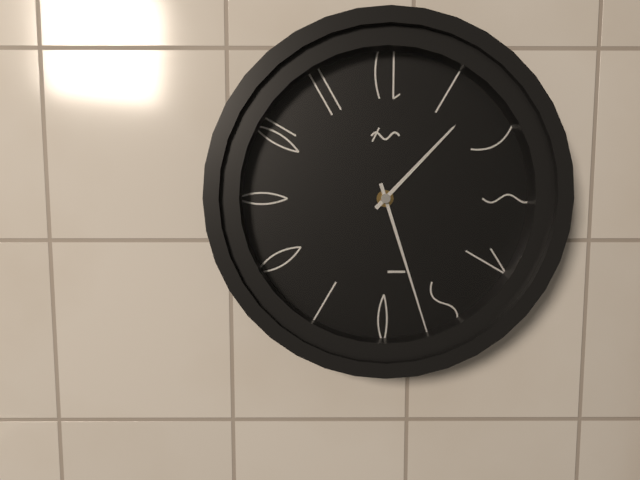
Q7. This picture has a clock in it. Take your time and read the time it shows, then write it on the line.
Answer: 1:27
